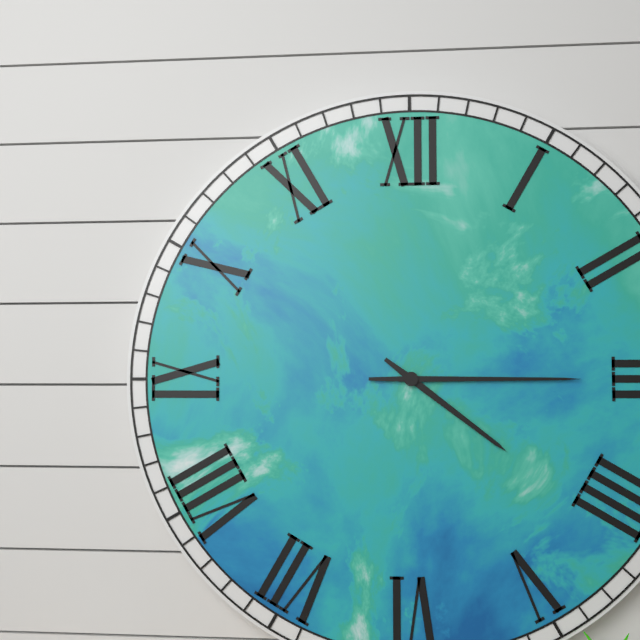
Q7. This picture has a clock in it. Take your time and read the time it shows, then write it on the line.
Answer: 4:15
